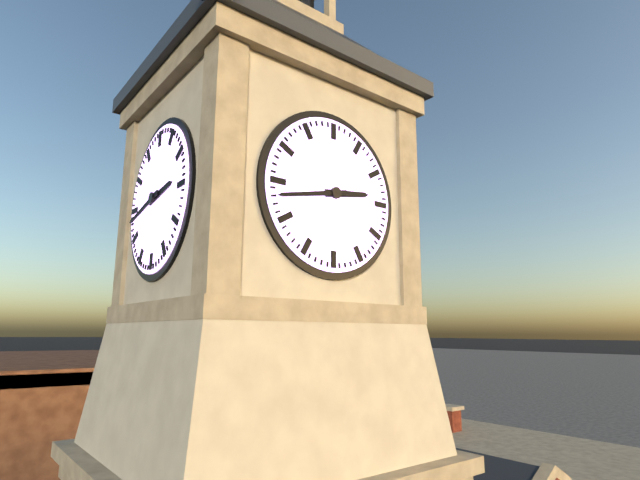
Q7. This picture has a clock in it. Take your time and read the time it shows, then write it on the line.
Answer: 2:43
